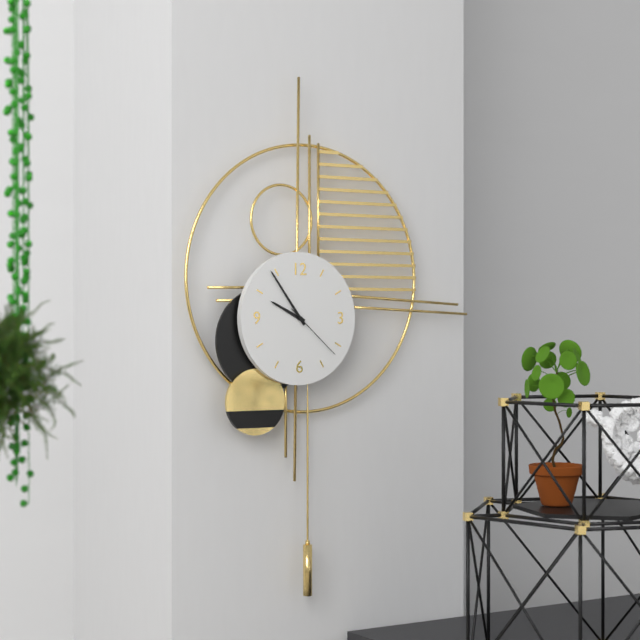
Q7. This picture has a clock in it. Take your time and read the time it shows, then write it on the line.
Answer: 9:54:22
